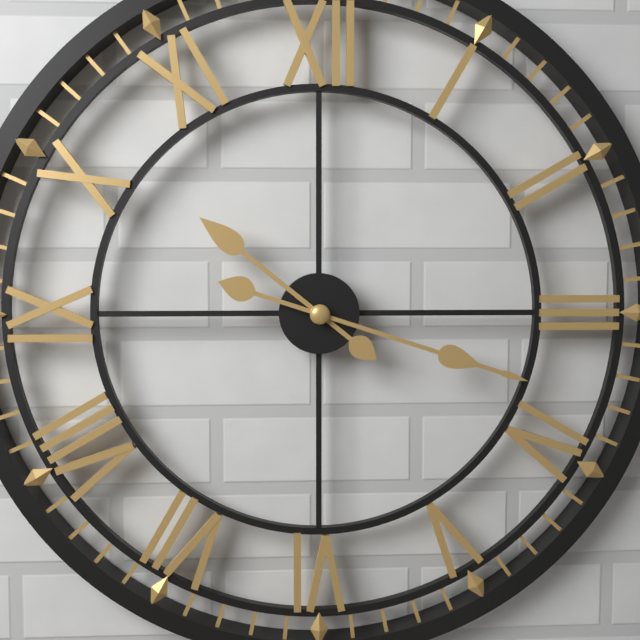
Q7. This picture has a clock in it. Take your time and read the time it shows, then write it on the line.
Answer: 10:18
